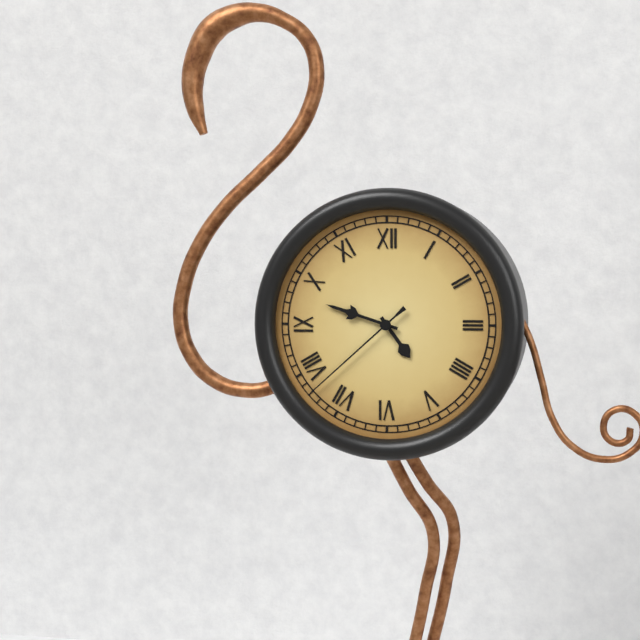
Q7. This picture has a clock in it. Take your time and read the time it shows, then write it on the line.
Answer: 4:48:38
